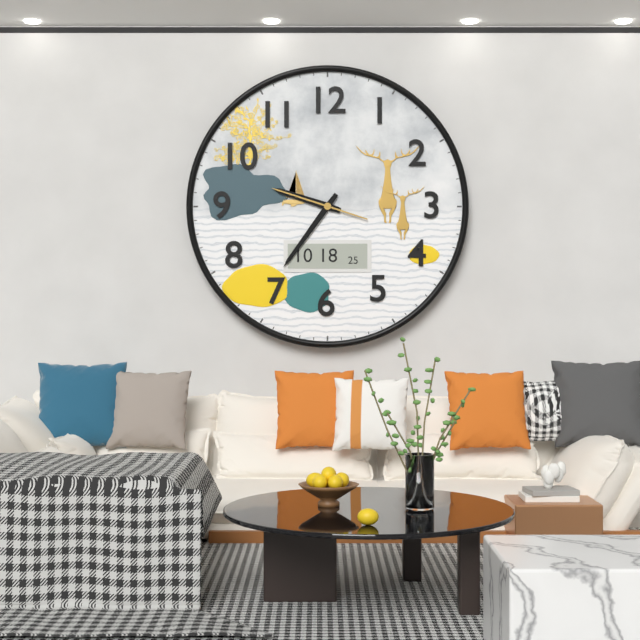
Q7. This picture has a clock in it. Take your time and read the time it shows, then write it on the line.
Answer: 9:36:48
